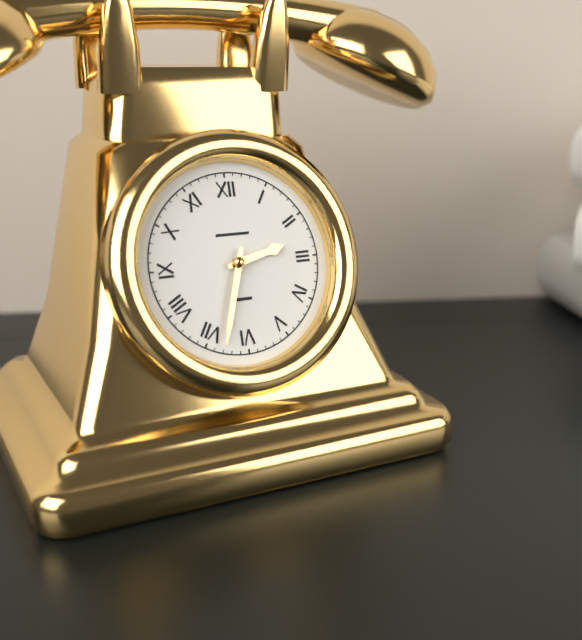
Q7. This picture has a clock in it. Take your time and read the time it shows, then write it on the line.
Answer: 2:33
